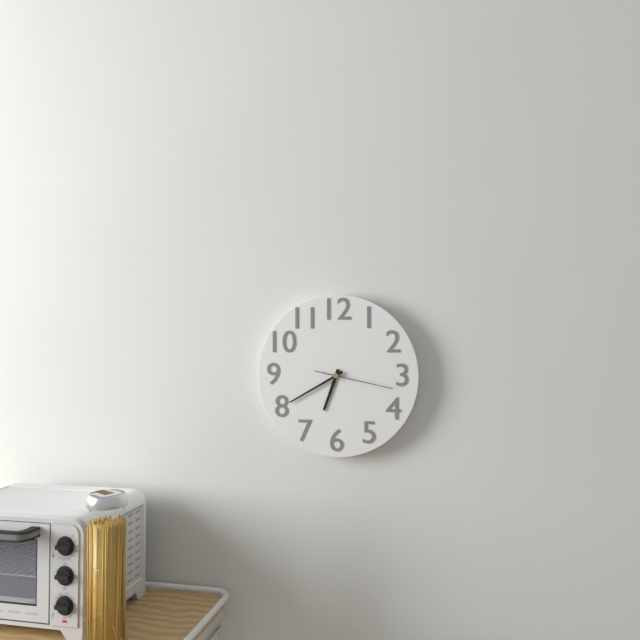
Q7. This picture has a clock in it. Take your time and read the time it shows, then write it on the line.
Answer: 6:40:17
